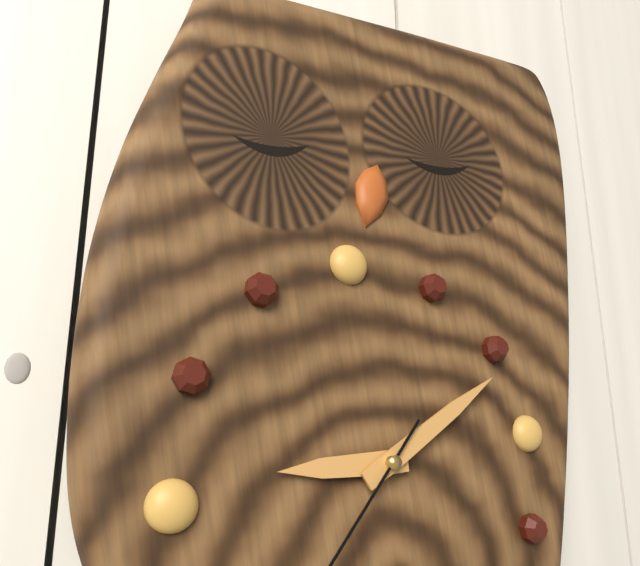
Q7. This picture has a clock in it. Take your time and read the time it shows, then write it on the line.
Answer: 9:11
